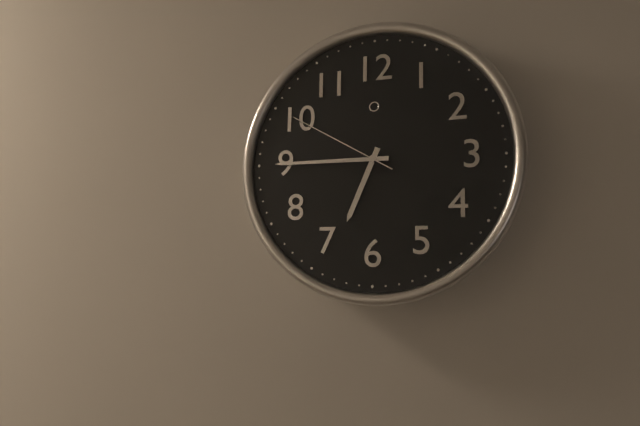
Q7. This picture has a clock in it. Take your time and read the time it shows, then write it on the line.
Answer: 6:45:50
